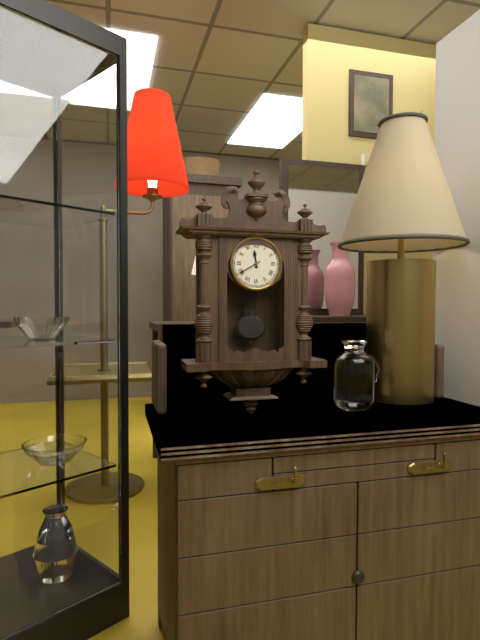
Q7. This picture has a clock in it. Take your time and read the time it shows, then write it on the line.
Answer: 11:40
